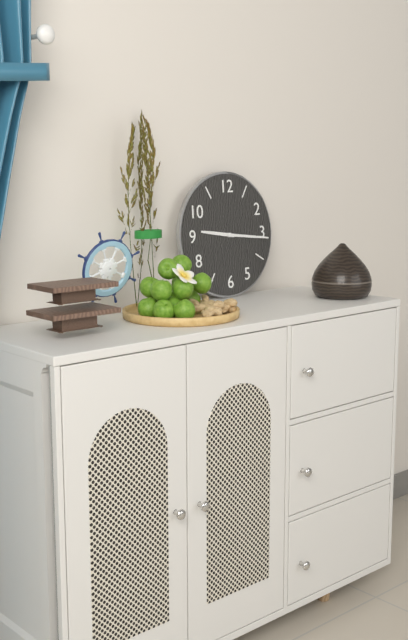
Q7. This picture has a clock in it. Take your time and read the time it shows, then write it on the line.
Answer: 9:16
